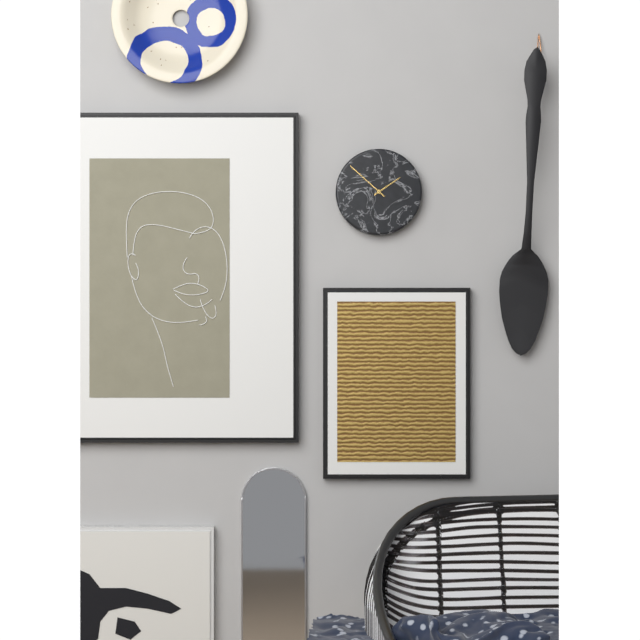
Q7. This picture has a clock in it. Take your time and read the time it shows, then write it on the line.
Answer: 1:52
